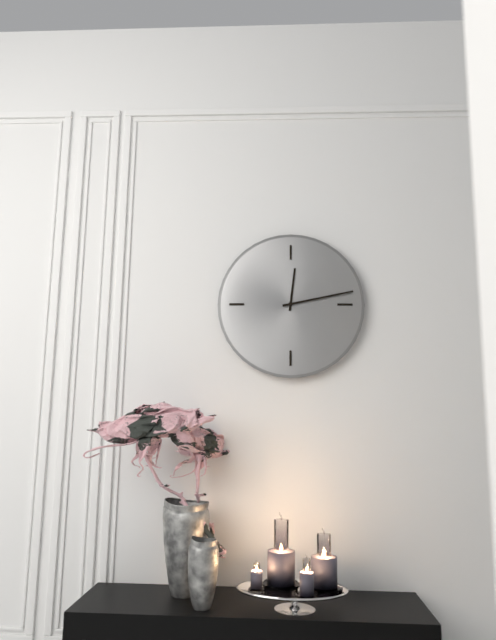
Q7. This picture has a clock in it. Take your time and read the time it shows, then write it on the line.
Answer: 12:13
